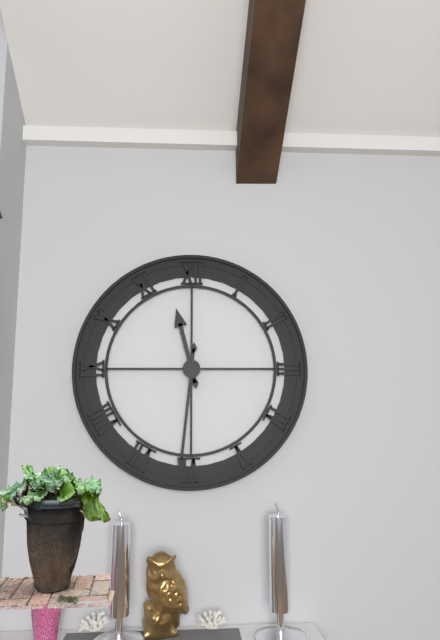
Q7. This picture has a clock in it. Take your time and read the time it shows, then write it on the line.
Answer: 11:31
